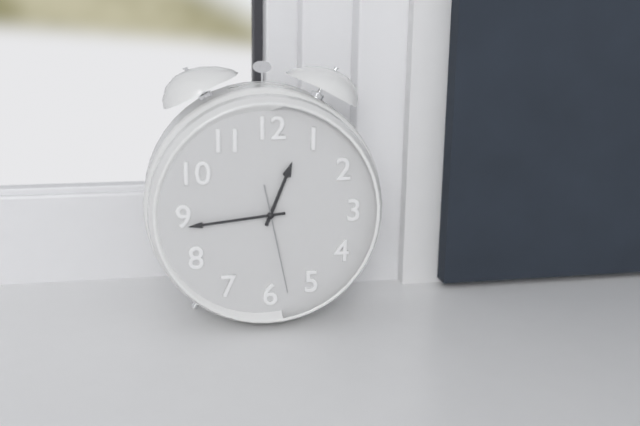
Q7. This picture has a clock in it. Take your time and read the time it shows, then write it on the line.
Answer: 12:44:28
